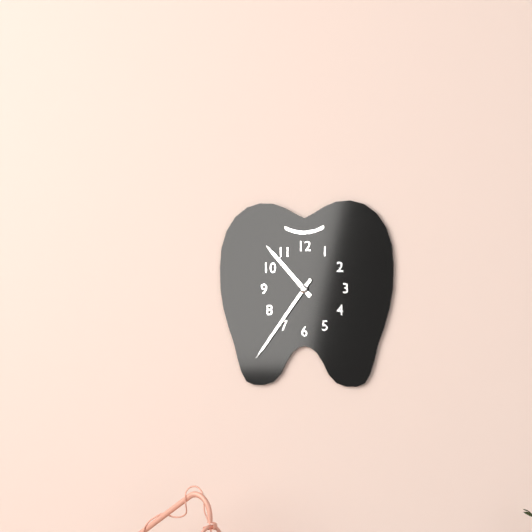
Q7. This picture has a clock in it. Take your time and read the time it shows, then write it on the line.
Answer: 10:36
